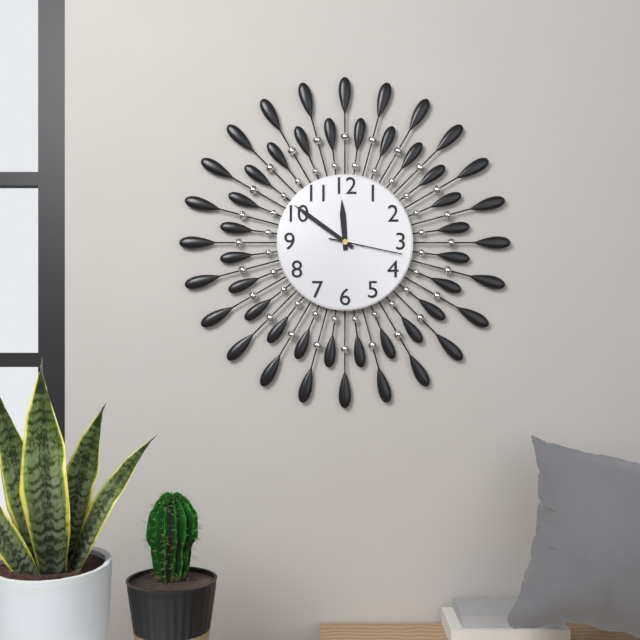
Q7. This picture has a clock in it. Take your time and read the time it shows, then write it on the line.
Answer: 11:51:17
